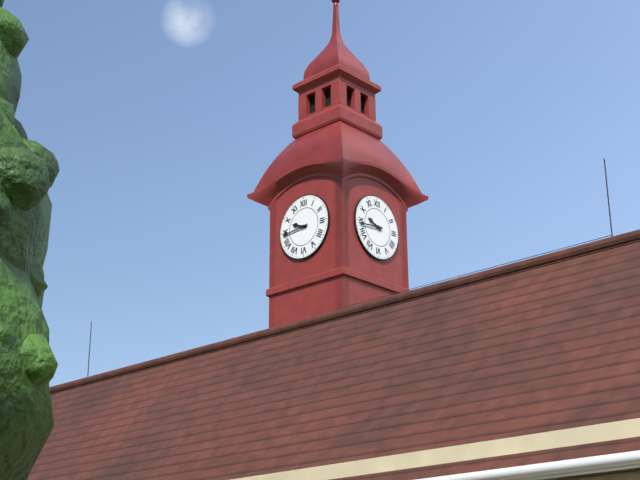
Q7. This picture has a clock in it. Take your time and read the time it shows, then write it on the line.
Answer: 9:44
